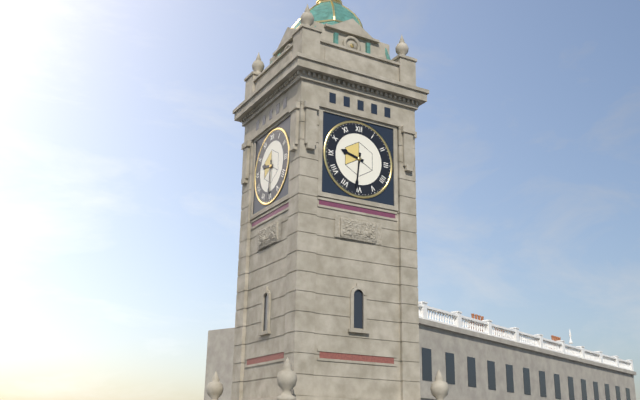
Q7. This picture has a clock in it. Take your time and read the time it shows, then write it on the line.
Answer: 9:31
